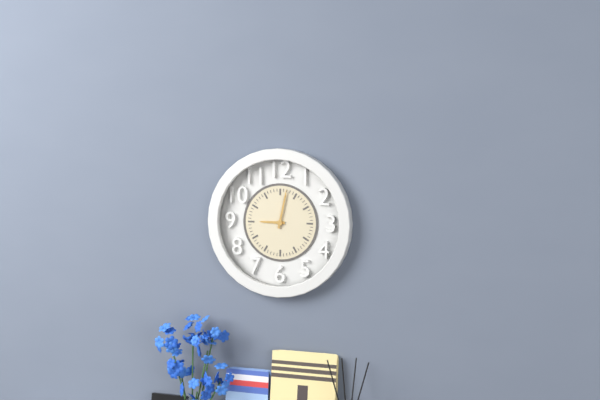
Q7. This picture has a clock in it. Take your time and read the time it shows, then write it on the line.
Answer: 9:02
